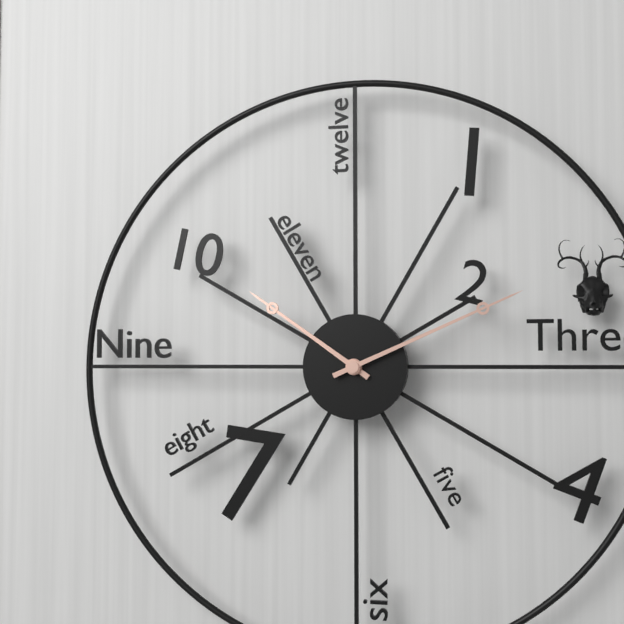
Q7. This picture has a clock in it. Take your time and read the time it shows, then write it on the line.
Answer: 10:11
